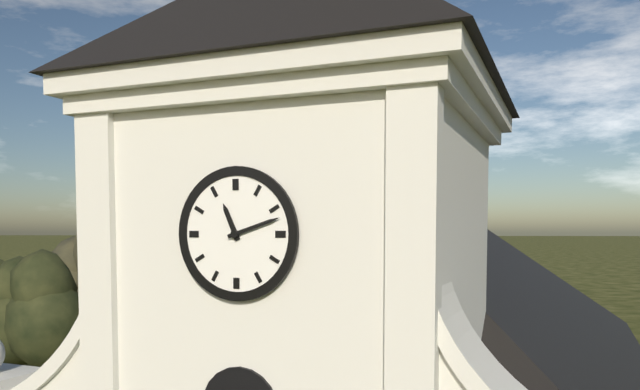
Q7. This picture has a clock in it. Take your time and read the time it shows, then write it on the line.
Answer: 11:12
